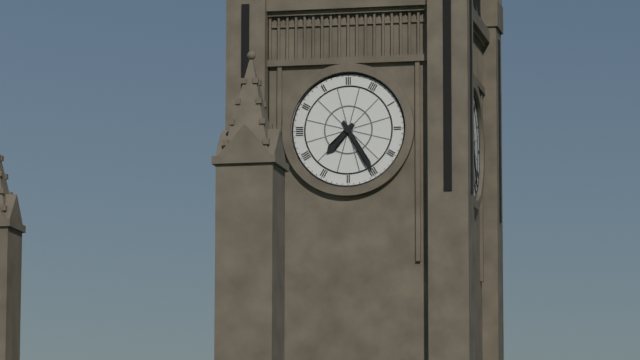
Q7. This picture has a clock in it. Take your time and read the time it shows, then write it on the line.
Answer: 7:25
